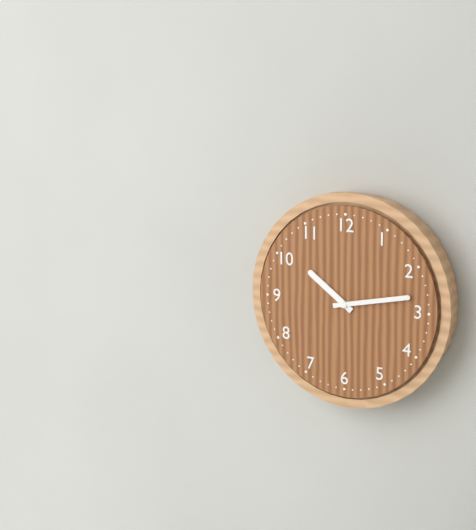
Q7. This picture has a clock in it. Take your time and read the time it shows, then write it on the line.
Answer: 10:13
